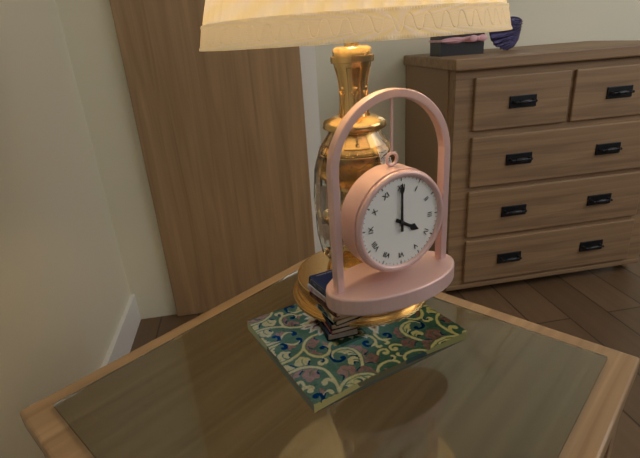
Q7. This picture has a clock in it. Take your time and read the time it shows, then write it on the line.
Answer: 4:00
